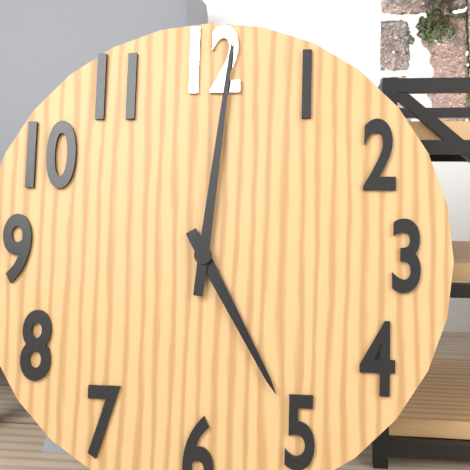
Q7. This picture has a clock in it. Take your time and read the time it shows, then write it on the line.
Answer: 5:01
